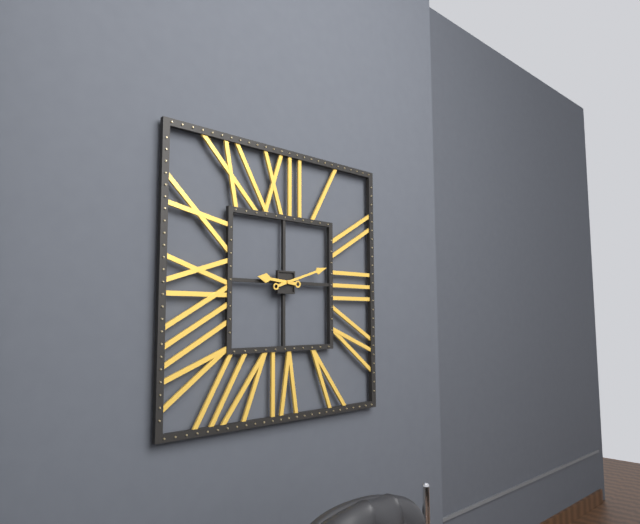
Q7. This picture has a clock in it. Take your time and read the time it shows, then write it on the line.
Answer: 9:12
